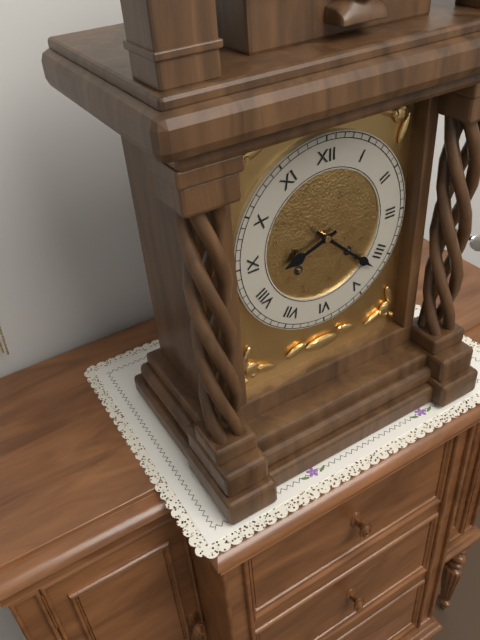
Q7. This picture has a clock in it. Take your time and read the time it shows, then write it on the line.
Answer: 8:22
